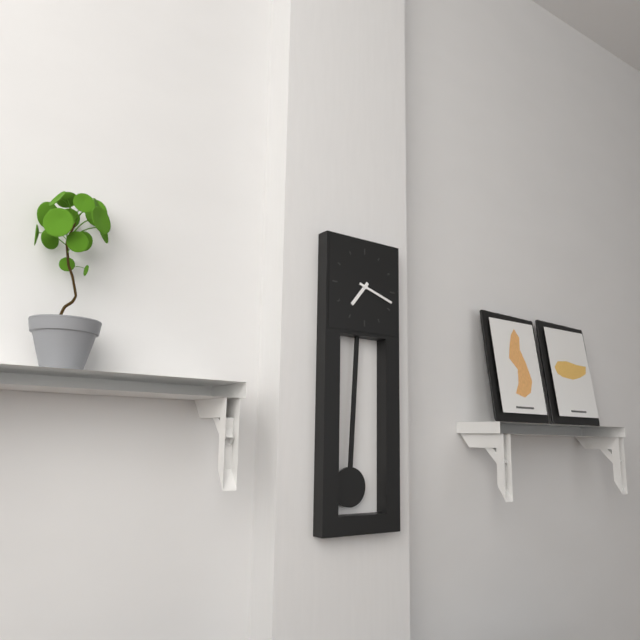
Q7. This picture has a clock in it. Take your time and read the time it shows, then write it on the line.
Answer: 7:18
